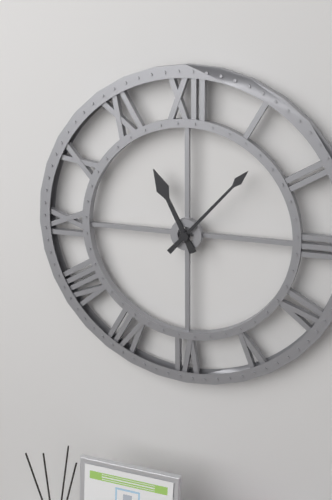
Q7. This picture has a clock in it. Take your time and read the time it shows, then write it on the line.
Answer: 11:07
